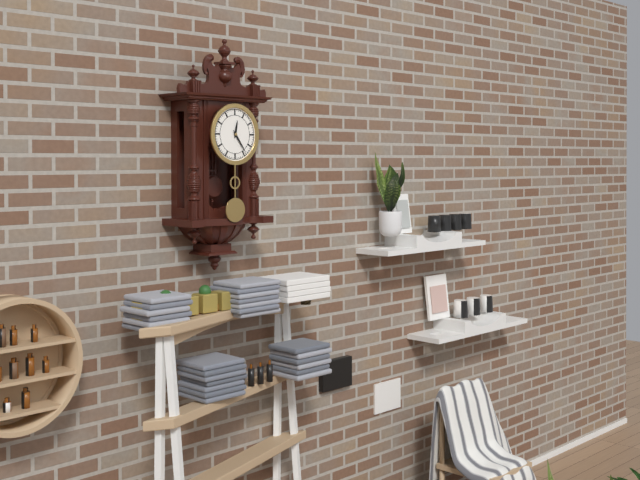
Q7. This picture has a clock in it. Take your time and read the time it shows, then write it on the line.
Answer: 12:24
